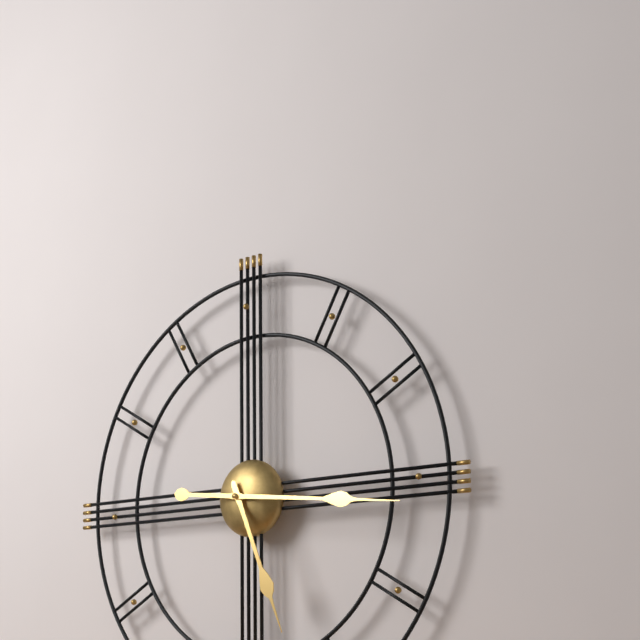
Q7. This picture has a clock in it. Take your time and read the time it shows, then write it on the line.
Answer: 5:16
